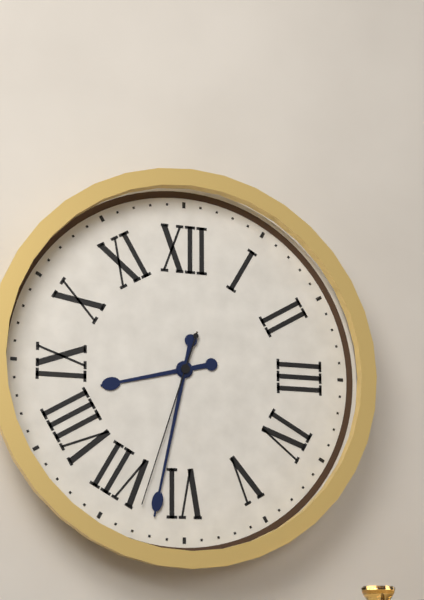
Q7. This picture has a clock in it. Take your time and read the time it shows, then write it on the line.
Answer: 8:32:33
